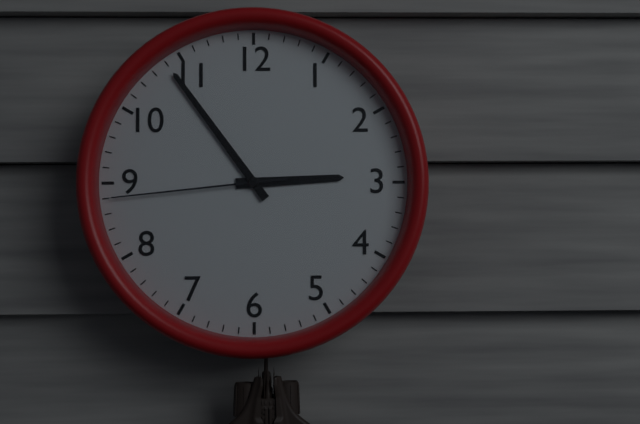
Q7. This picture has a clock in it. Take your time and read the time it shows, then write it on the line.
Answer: 2:54:44
